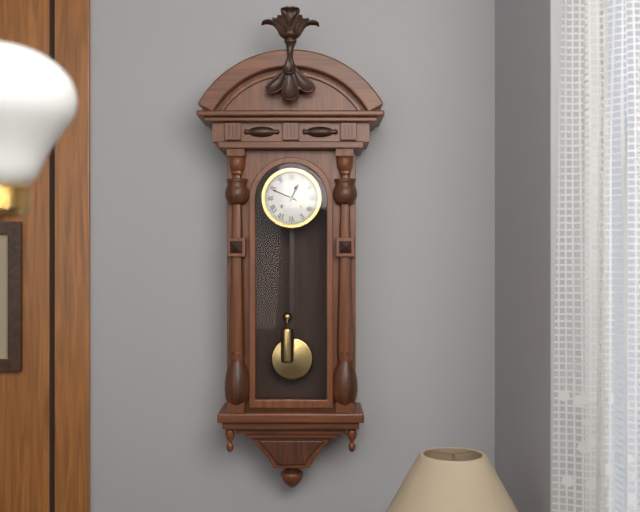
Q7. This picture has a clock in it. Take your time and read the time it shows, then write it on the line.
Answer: 12:49
